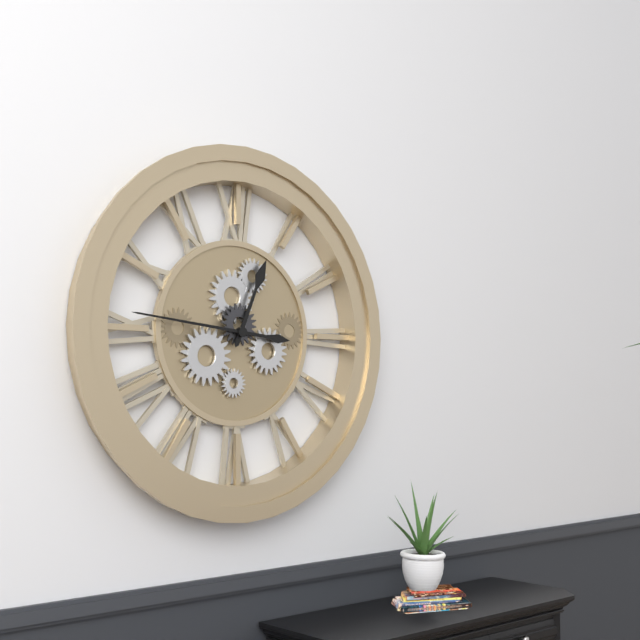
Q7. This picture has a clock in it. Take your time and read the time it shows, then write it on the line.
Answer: 12:46
